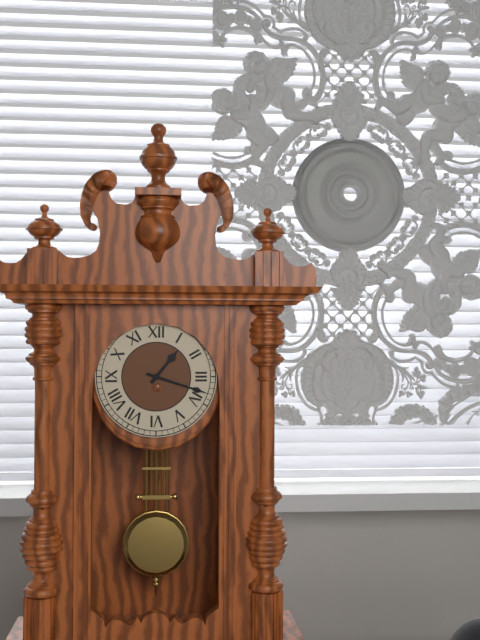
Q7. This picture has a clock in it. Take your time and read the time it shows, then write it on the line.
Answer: 1:18
